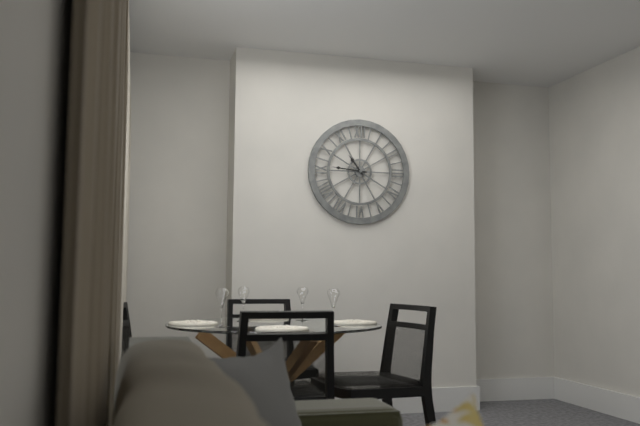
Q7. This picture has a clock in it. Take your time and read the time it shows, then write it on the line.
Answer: 10:46
